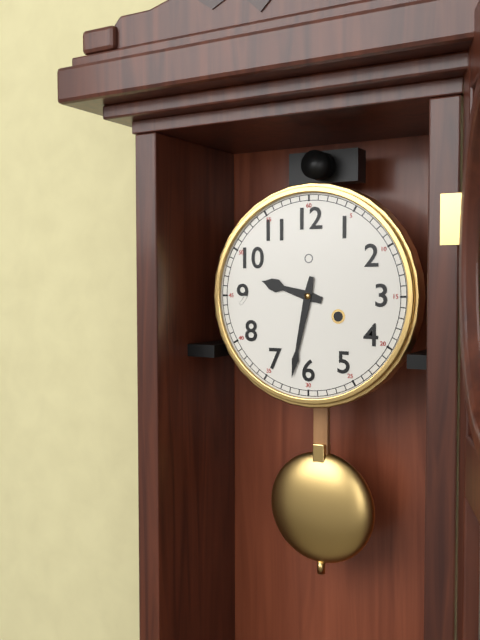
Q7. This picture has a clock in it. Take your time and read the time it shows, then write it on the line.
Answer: 9:32
